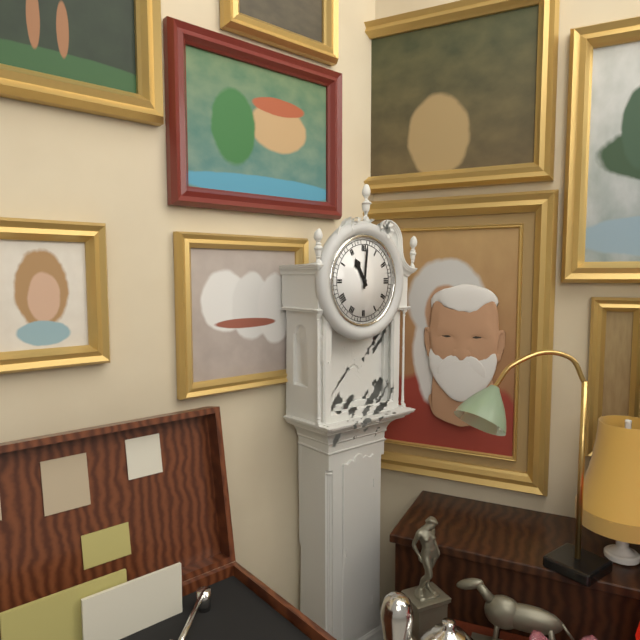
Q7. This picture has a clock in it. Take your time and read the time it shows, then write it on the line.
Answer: 11:01
